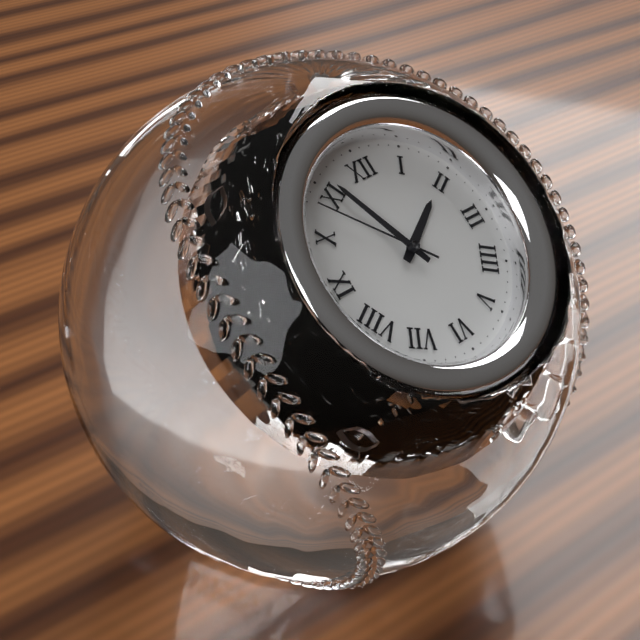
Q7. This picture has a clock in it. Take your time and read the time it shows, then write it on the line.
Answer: 1:56:53
